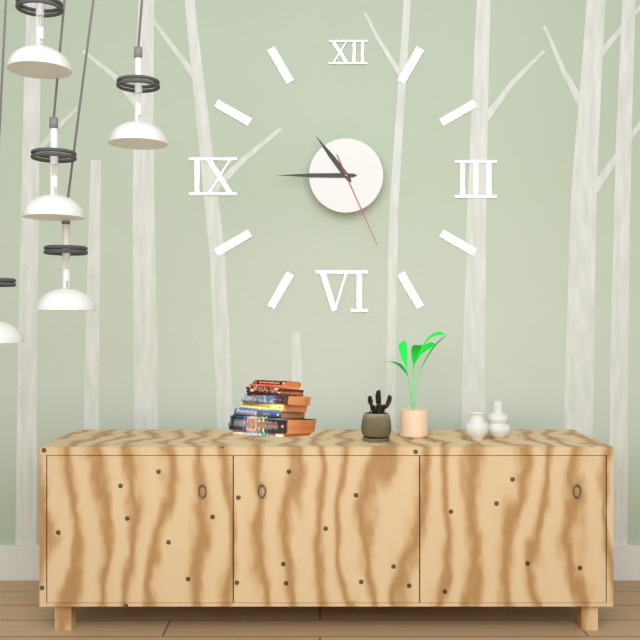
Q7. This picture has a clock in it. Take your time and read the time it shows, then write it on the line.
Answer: 10:45:26
